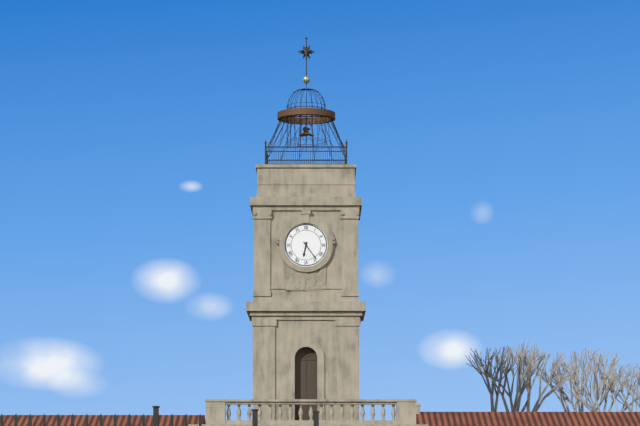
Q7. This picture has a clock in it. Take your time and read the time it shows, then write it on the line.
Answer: 6:24
